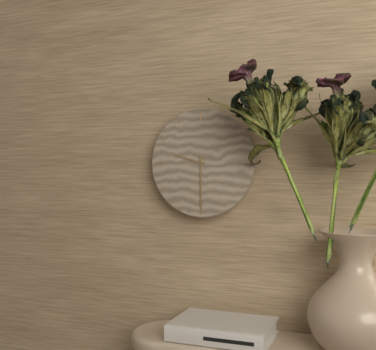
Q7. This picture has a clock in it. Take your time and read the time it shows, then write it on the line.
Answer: 9:30
